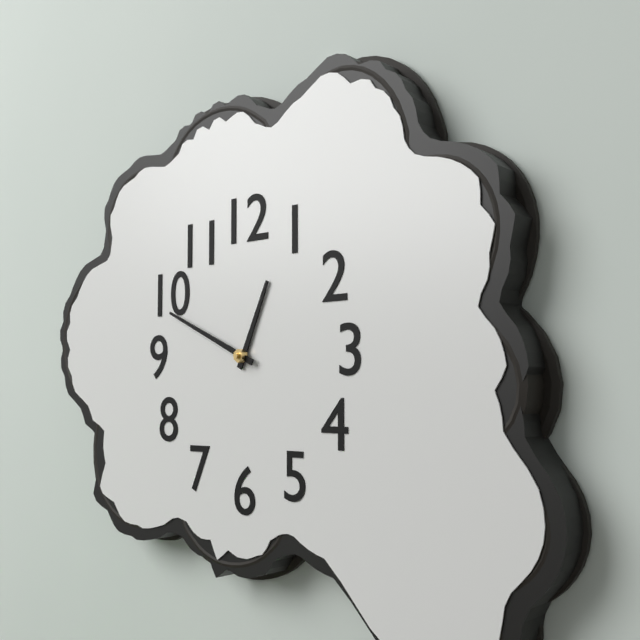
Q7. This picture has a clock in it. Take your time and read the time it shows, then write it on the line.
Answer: 12:49
